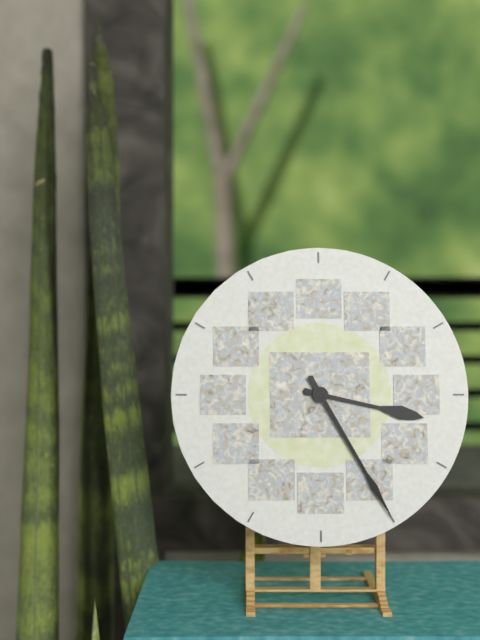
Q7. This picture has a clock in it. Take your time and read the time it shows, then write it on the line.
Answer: 3:25
